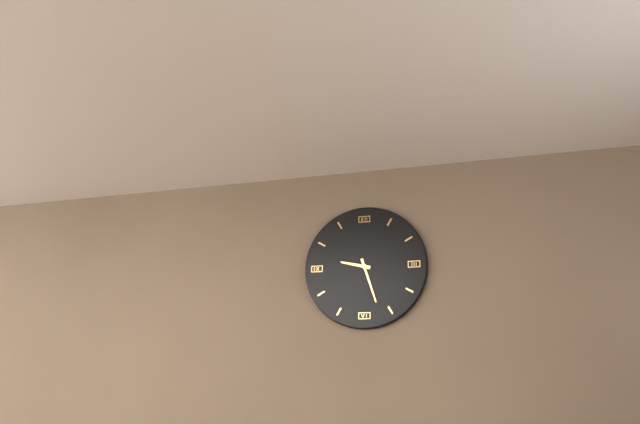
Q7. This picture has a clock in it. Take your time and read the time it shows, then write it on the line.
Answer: 9:27
